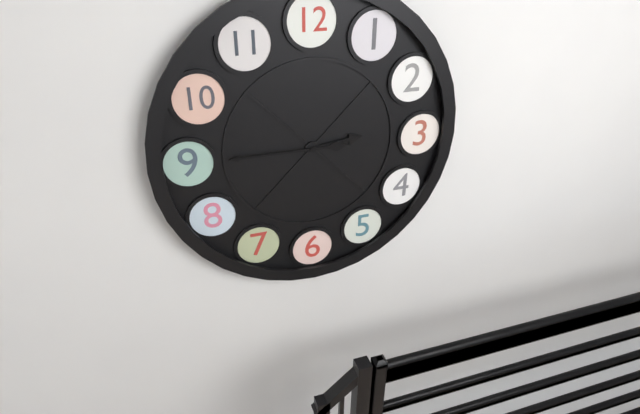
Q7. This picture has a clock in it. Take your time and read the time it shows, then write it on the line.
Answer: 2:45
